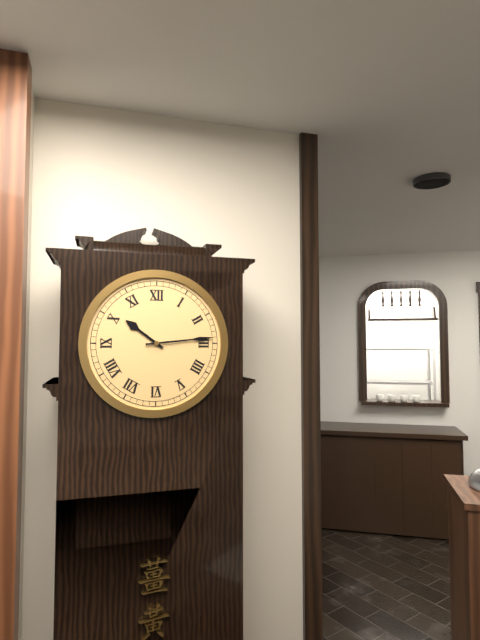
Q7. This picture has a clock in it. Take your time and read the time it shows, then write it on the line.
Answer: 10:14
